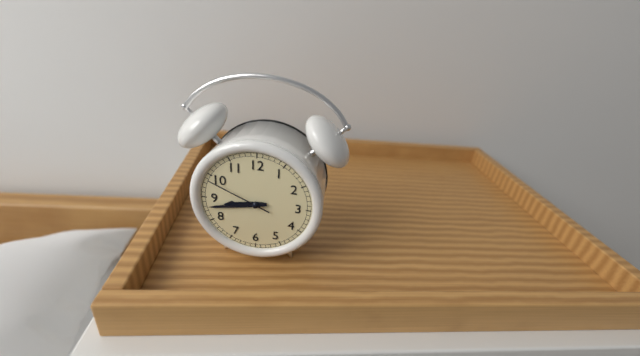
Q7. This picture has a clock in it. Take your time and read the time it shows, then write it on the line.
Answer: 8:43:49
